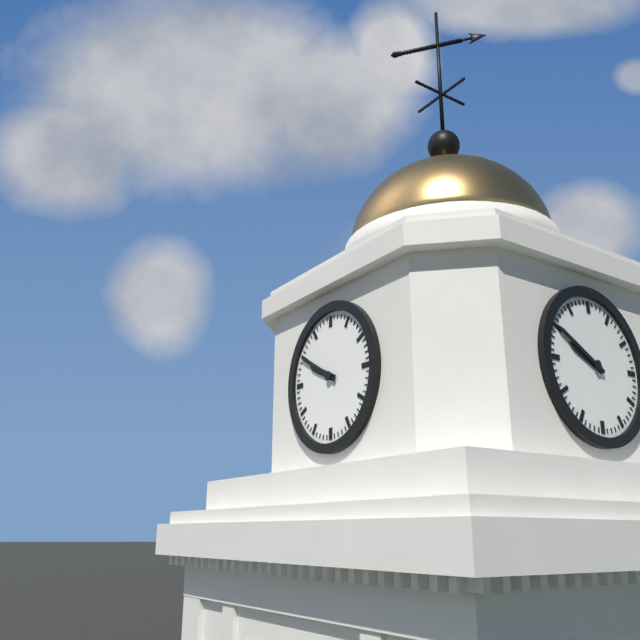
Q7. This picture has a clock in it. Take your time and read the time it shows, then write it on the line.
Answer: 9:50
